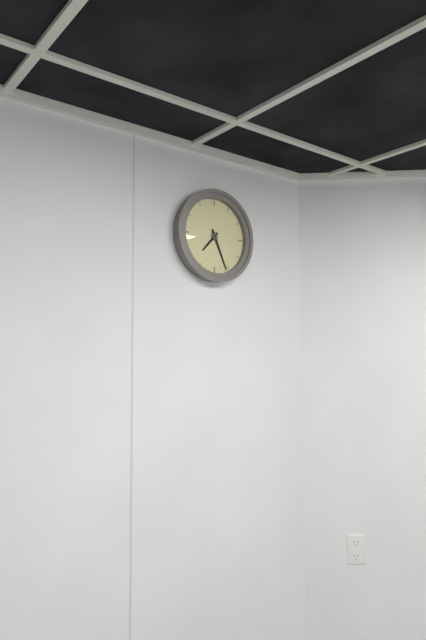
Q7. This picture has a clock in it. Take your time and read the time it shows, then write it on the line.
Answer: 7:26
